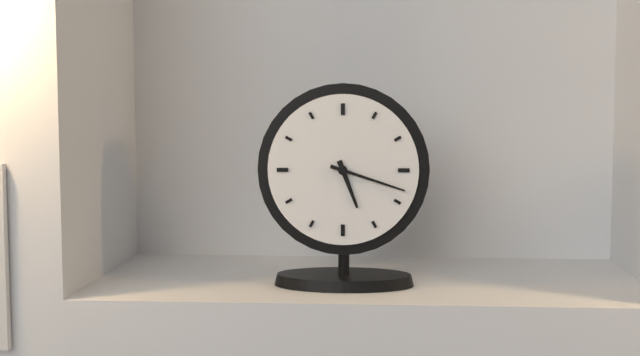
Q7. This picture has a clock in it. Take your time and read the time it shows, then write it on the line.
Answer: 5:18
